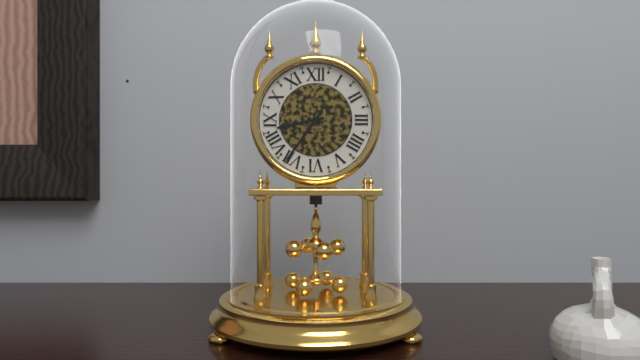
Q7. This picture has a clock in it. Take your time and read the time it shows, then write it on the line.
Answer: 8:36
